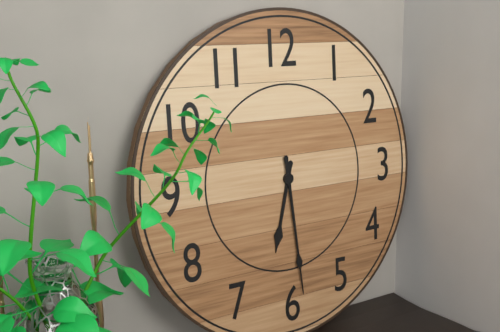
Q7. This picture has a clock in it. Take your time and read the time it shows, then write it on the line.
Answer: 6:29
